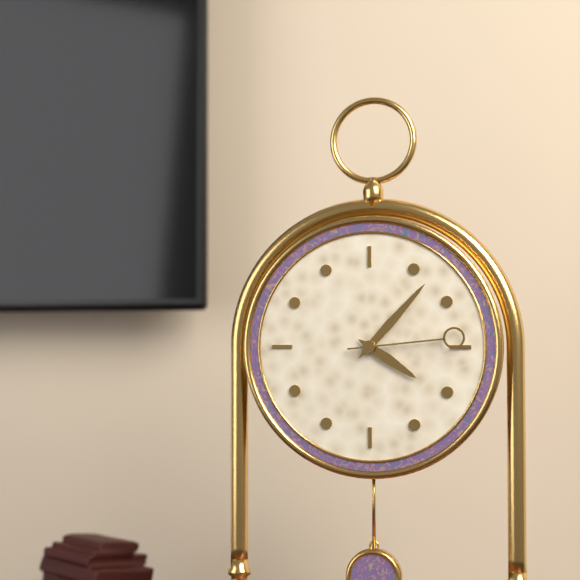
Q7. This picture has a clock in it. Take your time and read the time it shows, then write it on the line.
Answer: 4:07:14
